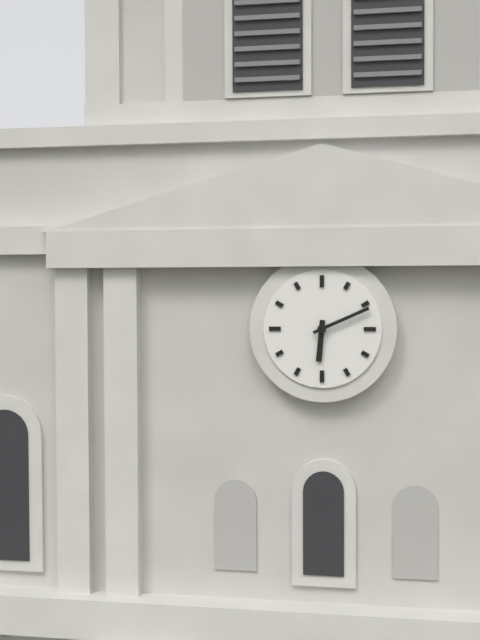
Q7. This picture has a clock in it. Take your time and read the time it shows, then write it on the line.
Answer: 6:11
